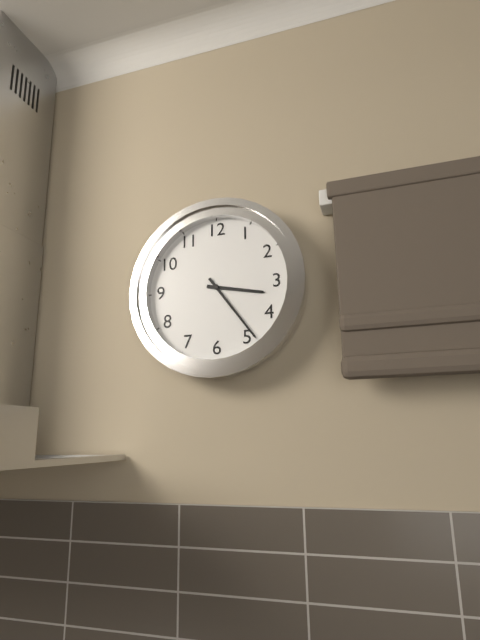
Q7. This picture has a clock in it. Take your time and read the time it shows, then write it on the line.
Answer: 3:24
